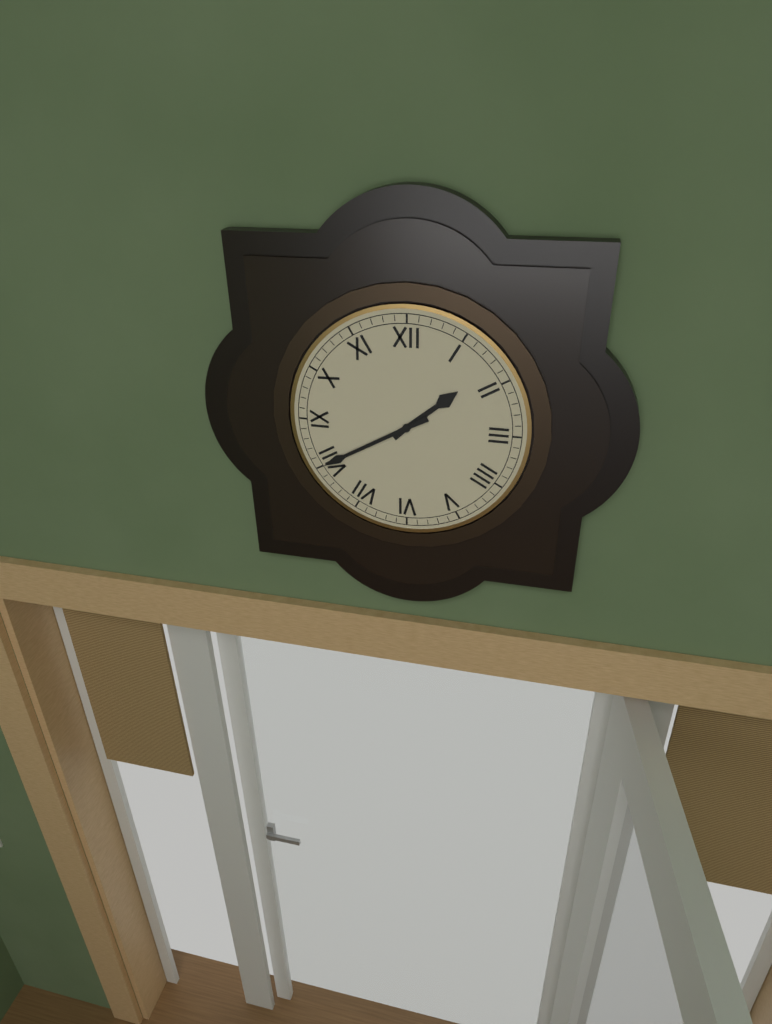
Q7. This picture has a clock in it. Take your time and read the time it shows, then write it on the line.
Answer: 1:40
